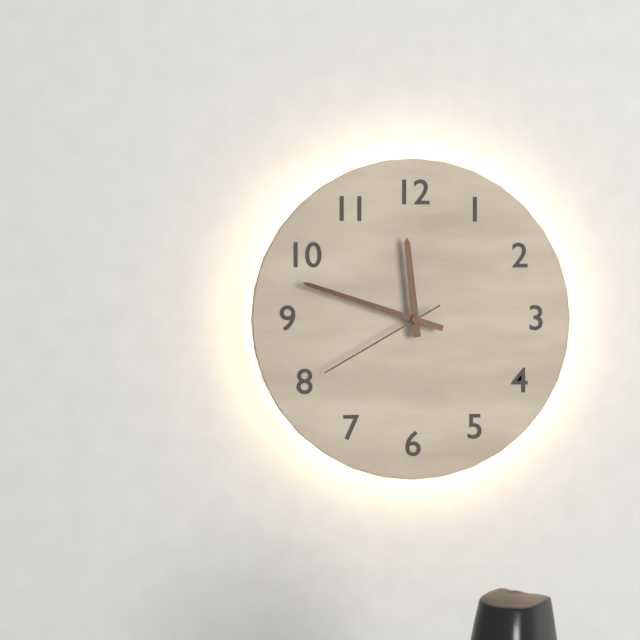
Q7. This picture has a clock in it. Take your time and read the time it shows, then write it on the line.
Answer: 11:48:40
